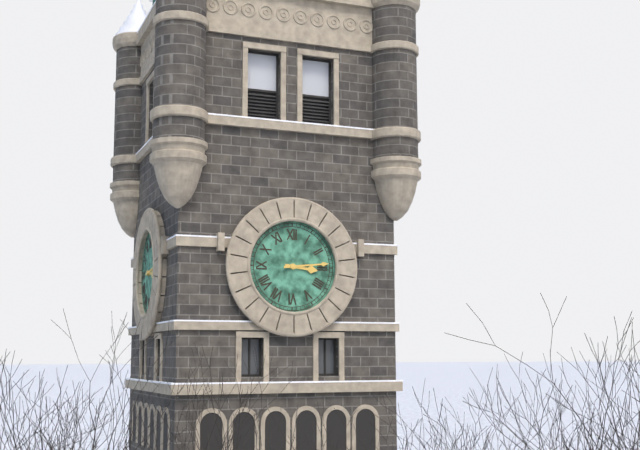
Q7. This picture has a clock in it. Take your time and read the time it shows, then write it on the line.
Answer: 3:14
